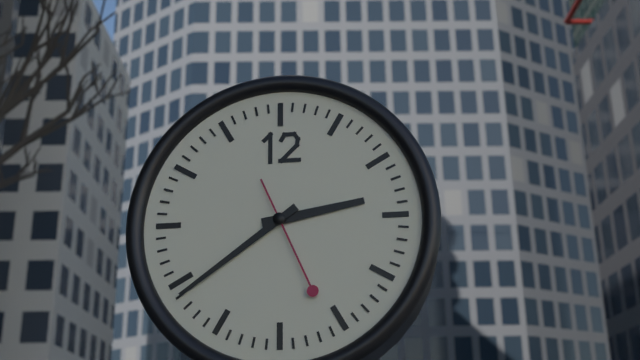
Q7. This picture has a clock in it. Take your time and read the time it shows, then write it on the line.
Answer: 2:39:26
